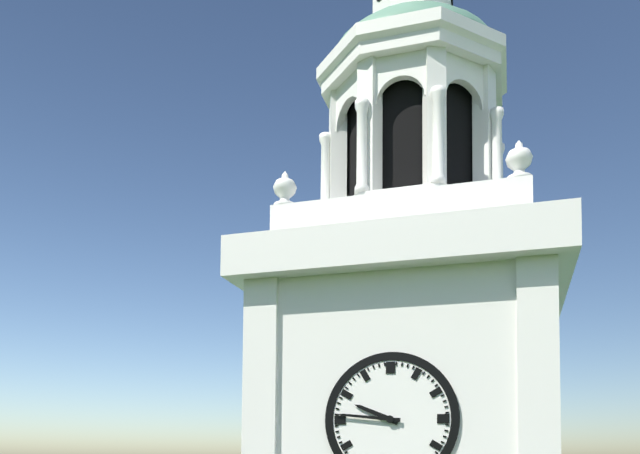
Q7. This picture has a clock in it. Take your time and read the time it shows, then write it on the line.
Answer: 9:46
